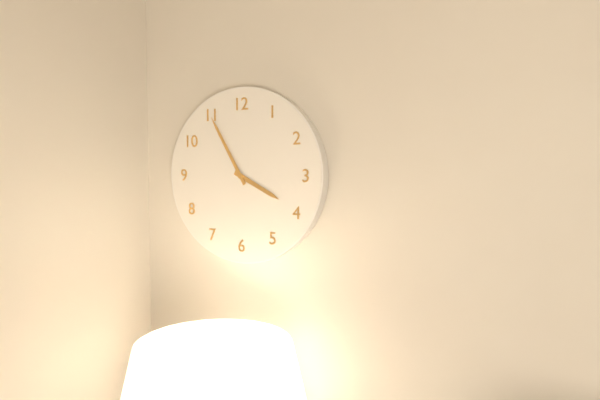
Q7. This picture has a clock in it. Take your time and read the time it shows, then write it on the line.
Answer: 3:55
